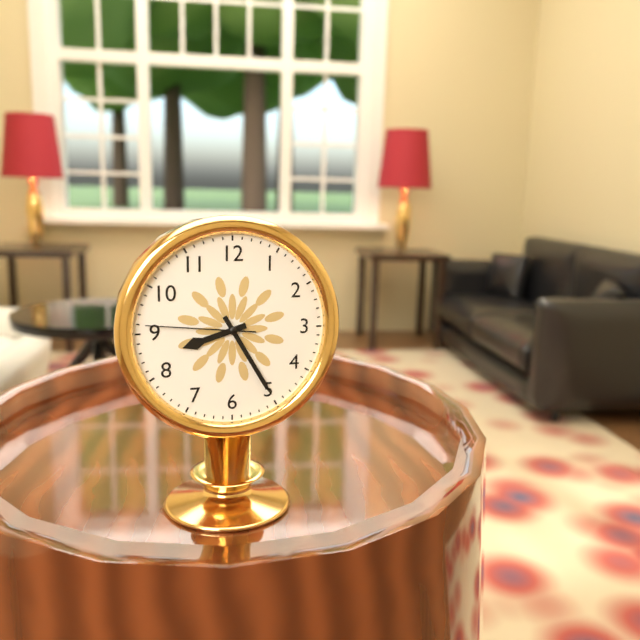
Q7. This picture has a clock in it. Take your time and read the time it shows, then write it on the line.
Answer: 8:25:46
